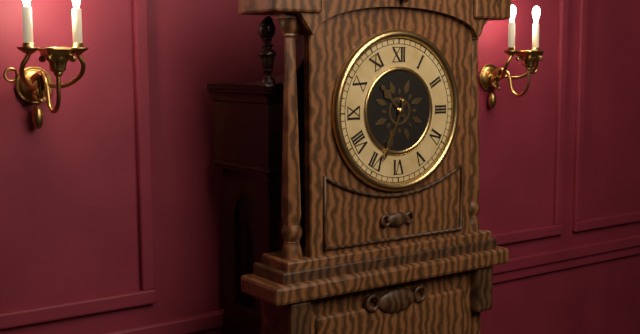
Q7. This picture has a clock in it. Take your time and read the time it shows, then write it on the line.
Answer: 10:34
